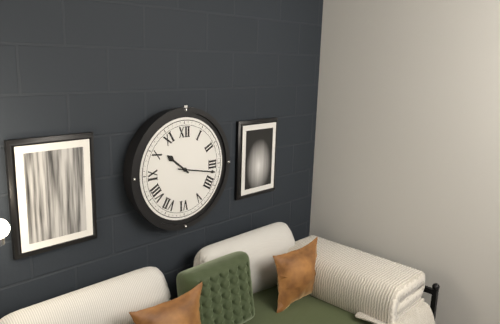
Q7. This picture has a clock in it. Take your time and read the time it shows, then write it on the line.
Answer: 10:17
